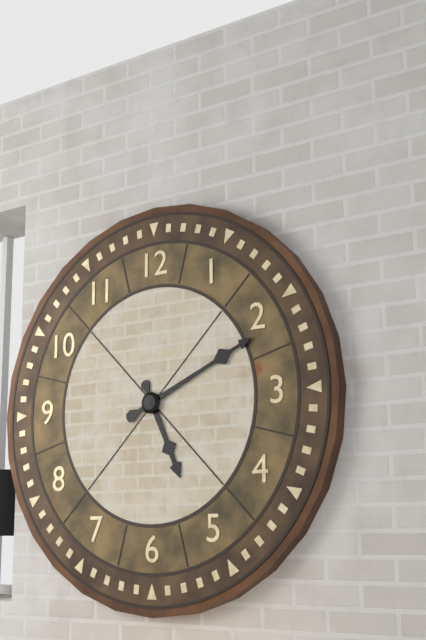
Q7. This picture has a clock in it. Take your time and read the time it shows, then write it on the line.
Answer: 5:11
